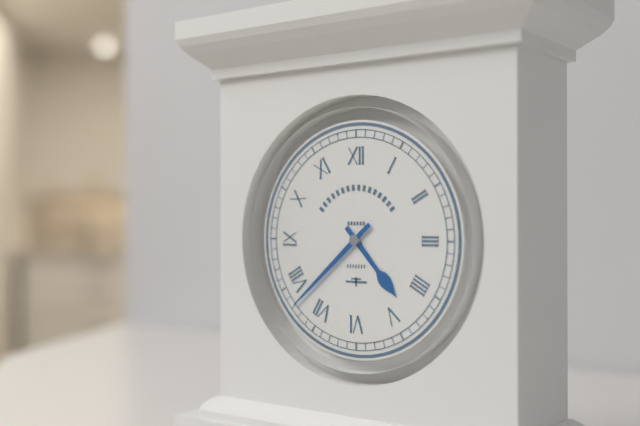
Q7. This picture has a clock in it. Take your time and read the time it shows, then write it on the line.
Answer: 4:38
